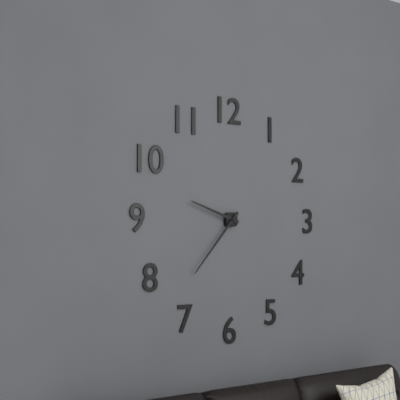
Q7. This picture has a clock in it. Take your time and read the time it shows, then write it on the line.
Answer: 9:37
